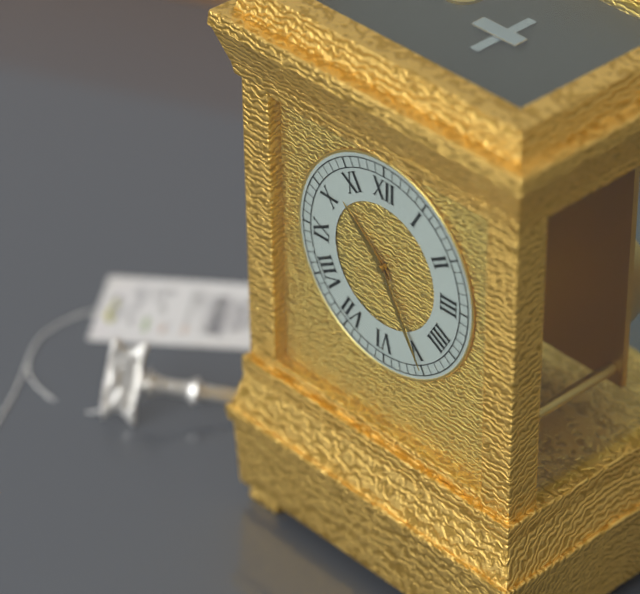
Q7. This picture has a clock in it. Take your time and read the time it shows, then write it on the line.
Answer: 10:25
